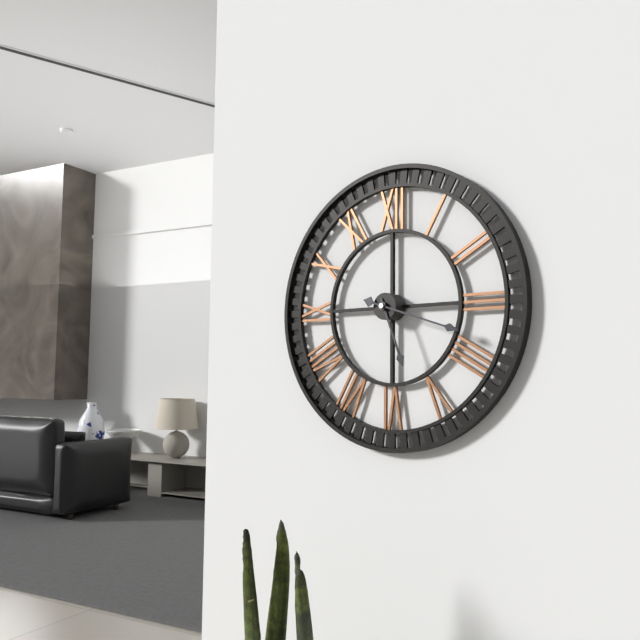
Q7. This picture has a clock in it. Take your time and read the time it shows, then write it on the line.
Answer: 5:18
